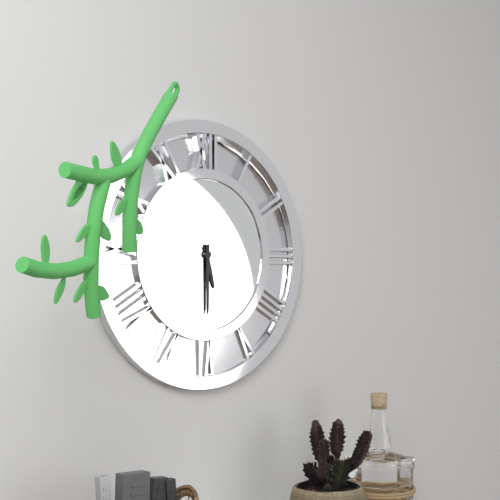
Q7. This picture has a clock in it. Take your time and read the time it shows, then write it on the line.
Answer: 5:30
